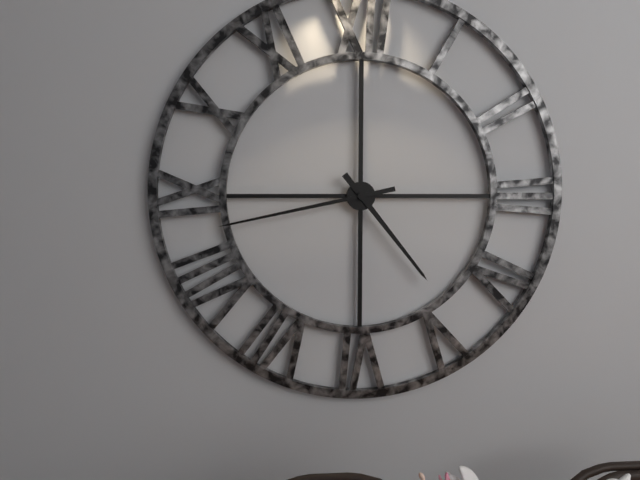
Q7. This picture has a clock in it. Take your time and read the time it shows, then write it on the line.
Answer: 4:43
